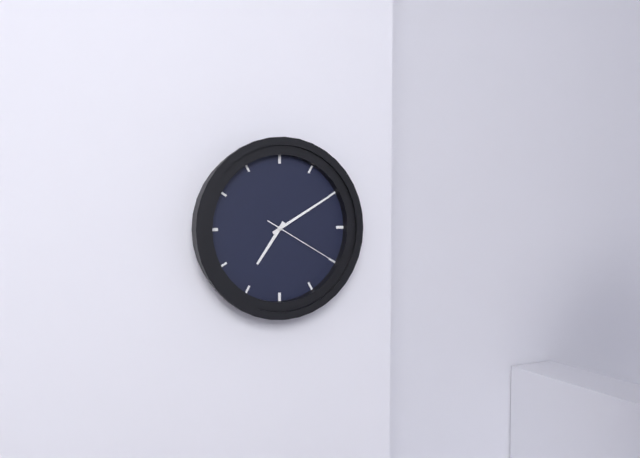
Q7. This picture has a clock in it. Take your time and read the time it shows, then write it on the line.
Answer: 7:10:20
